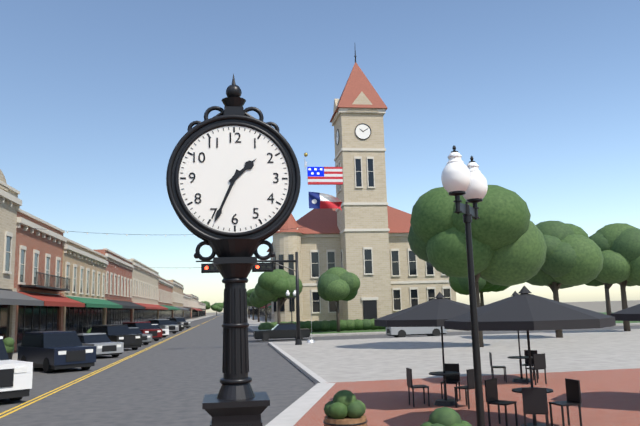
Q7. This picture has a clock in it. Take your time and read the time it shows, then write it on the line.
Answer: 1:34
